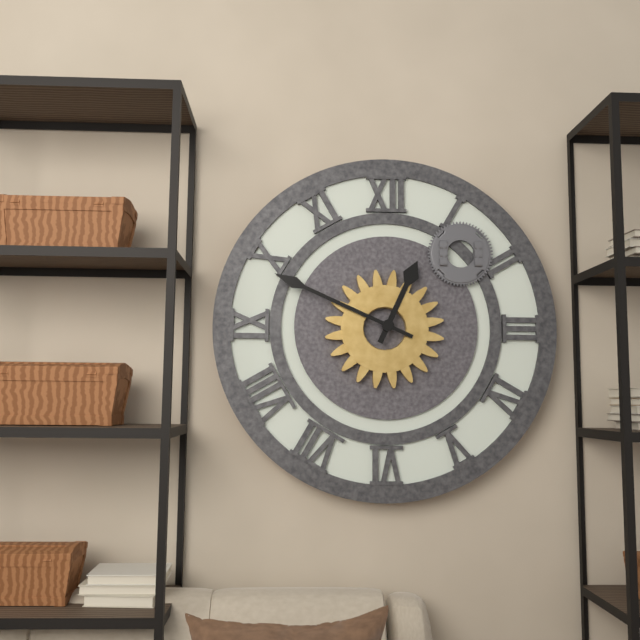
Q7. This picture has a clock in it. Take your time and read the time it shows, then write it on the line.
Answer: 12:49
